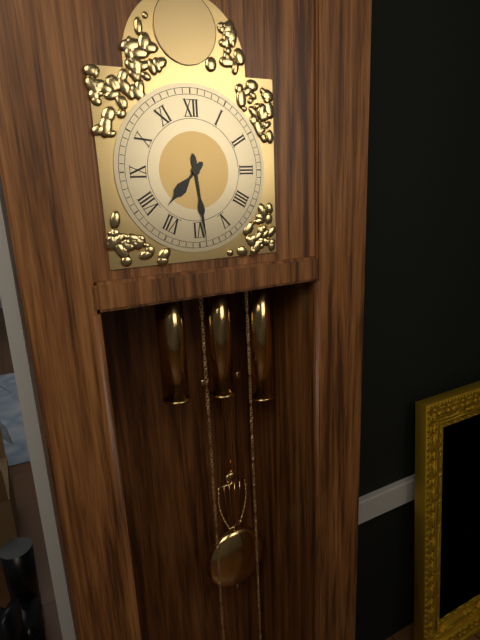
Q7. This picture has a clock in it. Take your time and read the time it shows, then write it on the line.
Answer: 7:29
